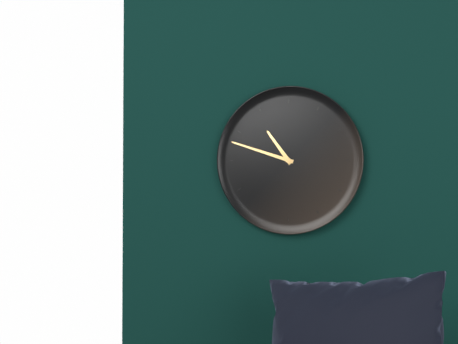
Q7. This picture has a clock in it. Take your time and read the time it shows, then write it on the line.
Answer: 10:48
